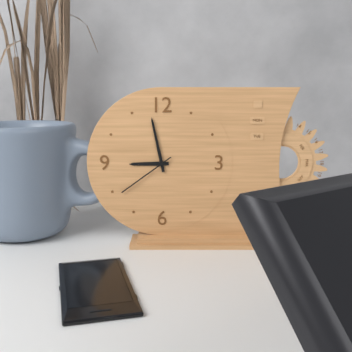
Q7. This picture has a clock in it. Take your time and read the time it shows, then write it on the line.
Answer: 8:58:39
